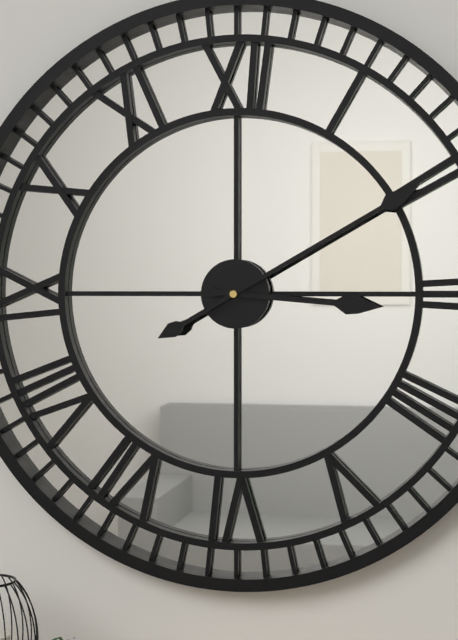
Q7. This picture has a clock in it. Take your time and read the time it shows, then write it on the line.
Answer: 3:10
